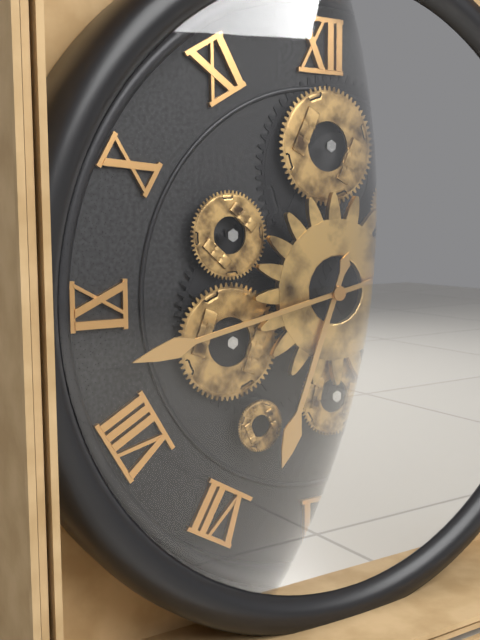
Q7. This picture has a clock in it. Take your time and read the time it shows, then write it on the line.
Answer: 6:43
